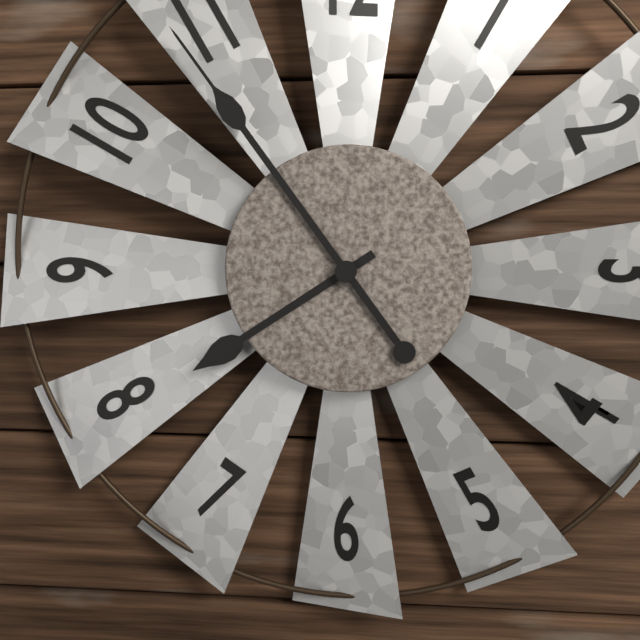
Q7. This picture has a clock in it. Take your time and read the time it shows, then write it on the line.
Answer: 7:54
